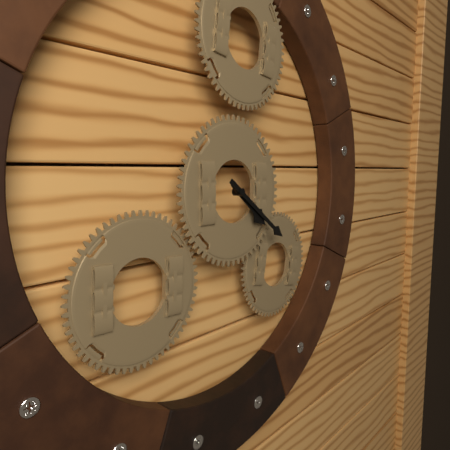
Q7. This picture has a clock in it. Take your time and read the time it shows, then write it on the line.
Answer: 4:21
